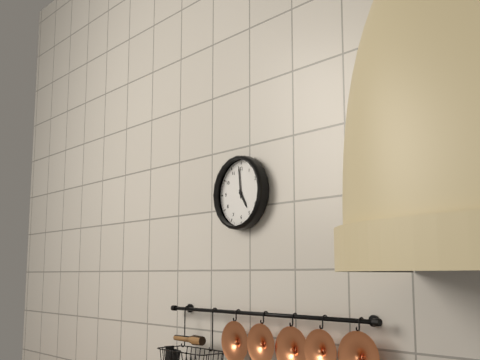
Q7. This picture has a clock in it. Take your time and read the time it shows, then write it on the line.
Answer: 4:59
